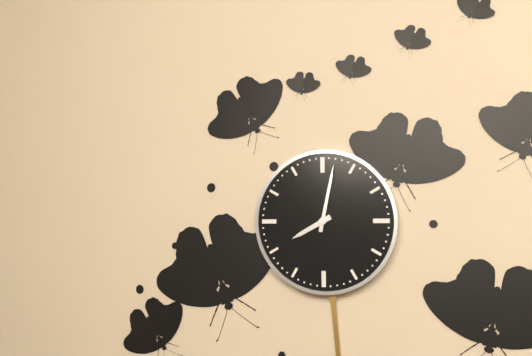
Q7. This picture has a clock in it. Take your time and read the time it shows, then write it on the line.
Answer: 8:02
